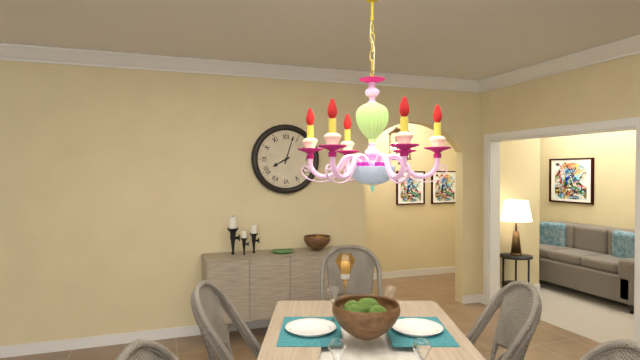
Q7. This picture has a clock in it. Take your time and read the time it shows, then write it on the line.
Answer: 8:03
